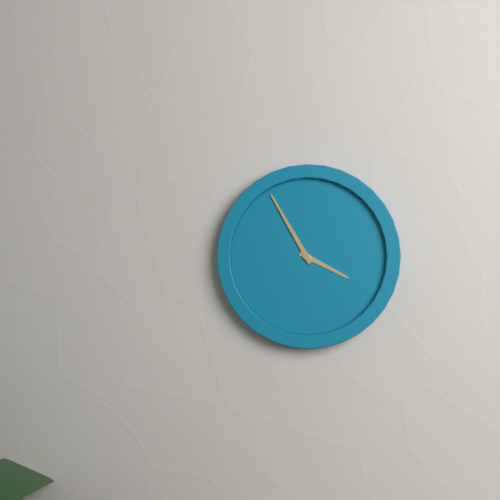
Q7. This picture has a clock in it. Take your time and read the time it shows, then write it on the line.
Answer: 3:55
